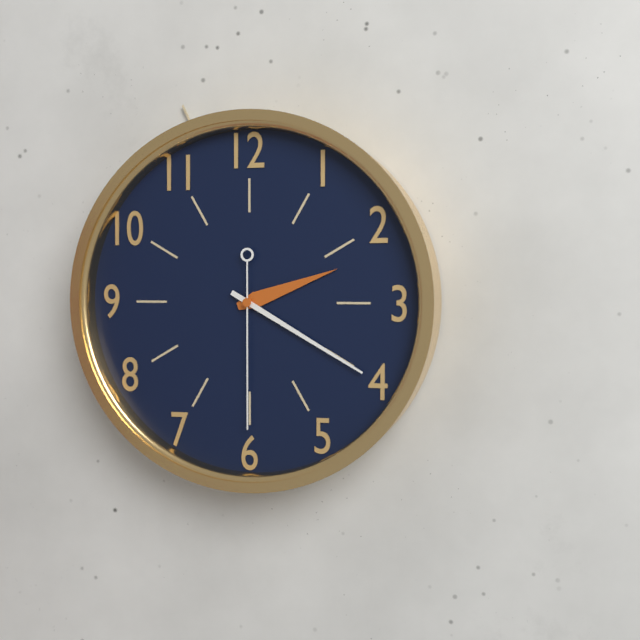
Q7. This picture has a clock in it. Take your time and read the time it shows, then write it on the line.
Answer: 2:20:30
